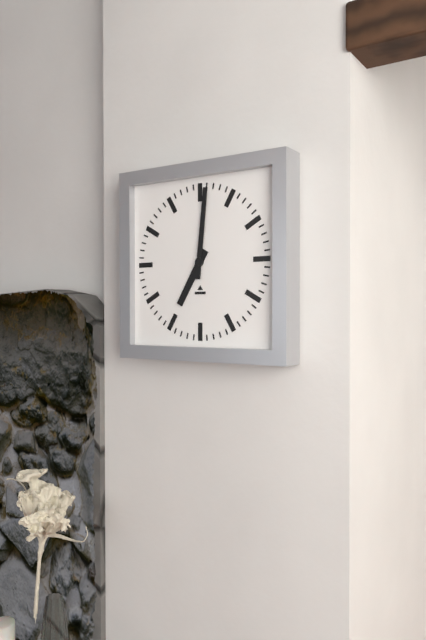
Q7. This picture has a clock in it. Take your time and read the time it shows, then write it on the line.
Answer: 7:01
